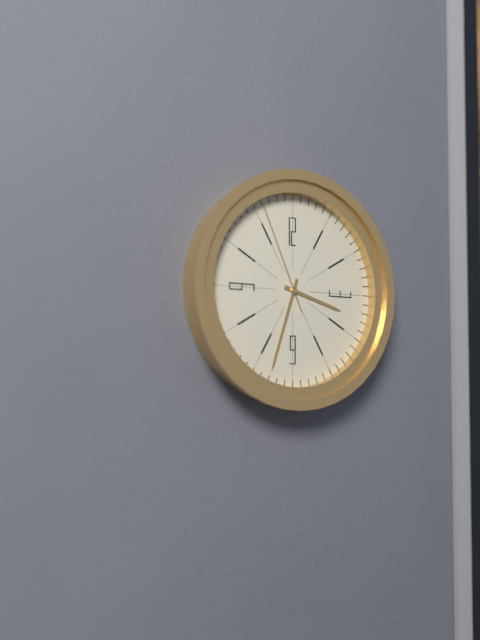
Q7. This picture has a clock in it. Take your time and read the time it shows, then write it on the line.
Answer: 3:33:56
